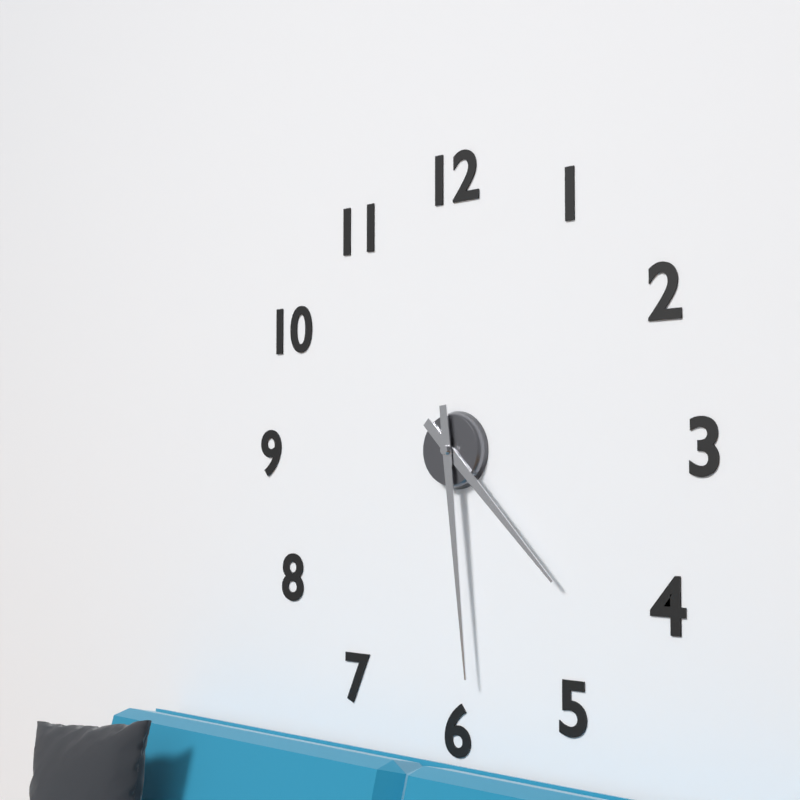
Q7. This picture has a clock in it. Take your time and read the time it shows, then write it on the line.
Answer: 4:29
